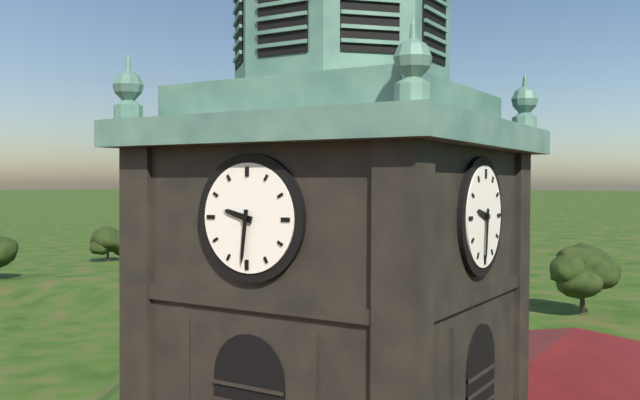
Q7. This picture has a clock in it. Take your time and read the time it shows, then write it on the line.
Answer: 9:31
